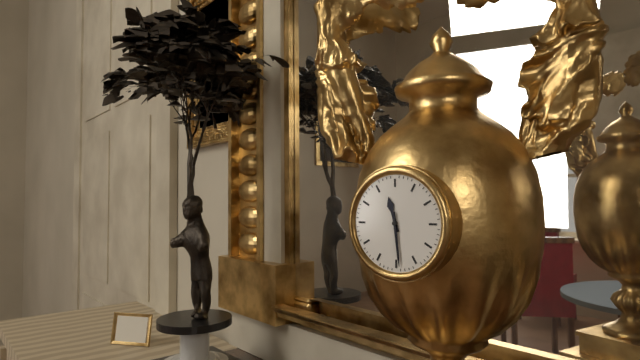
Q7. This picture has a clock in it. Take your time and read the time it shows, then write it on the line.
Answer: 11:29
